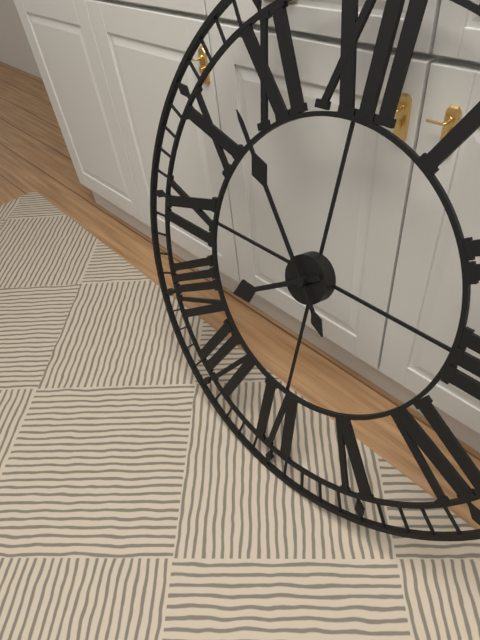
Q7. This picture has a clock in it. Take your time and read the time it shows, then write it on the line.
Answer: 7:53
